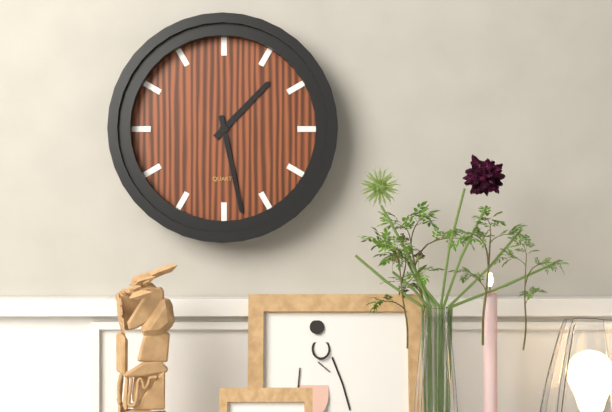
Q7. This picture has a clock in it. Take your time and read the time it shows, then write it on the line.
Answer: 1:28
